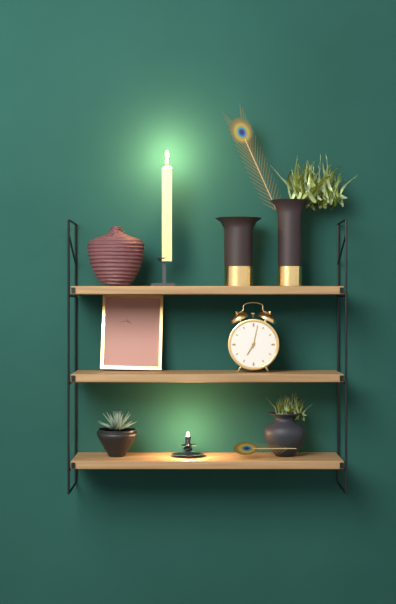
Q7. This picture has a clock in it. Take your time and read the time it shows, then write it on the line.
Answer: 7:02
